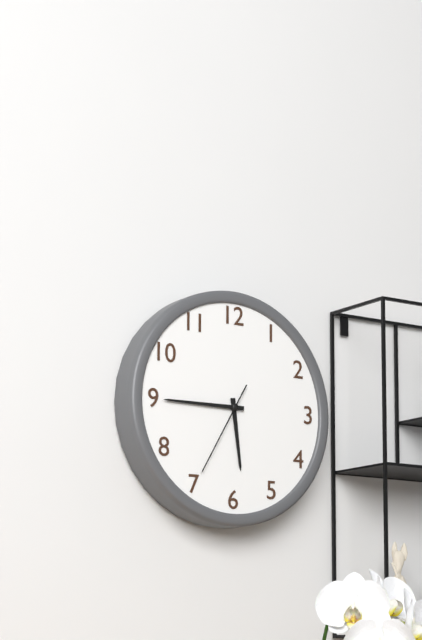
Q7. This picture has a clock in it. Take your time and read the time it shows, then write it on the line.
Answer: 5:45:35
